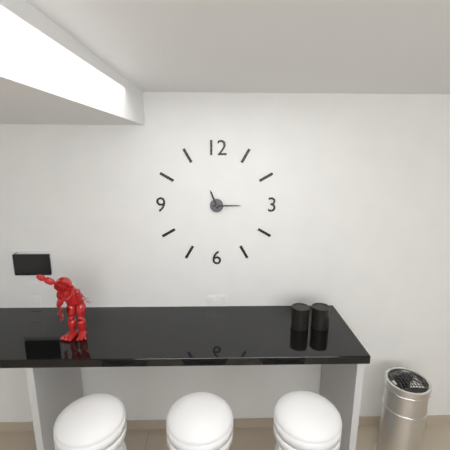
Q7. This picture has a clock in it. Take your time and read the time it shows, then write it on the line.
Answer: 11:15
